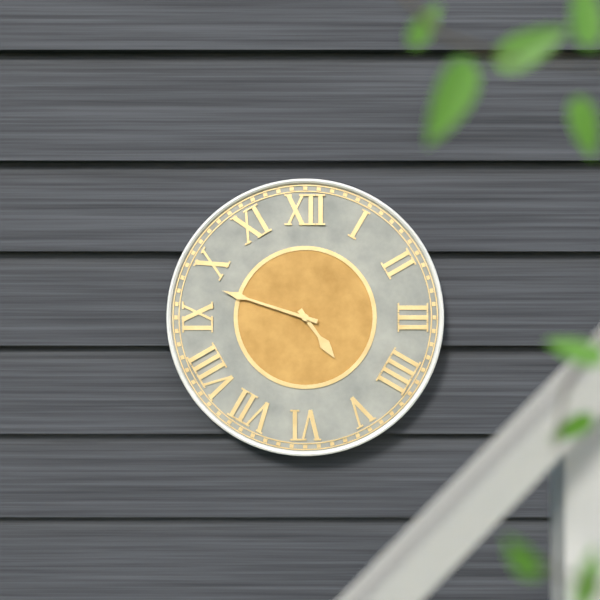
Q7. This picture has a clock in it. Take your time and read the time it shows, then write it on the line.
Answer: 4:48
